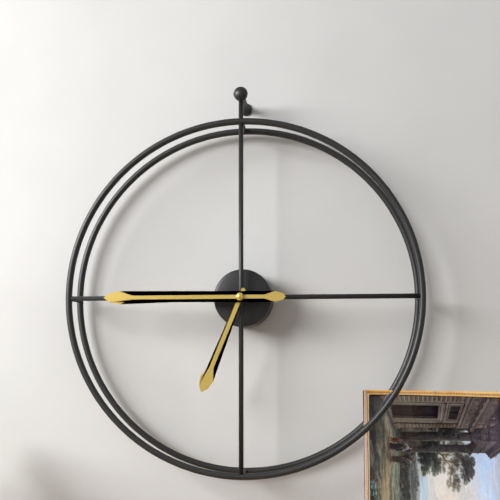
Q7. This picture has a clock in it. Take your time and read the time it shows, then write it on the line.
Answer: 6:45
